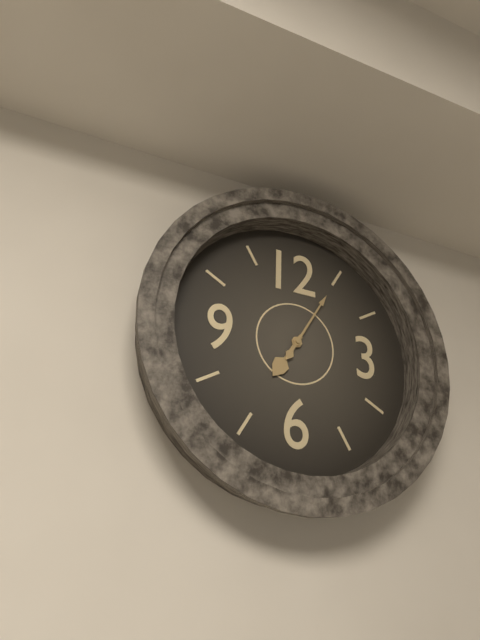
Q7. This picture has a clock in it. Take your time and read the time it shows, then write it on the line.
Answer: 7:05
